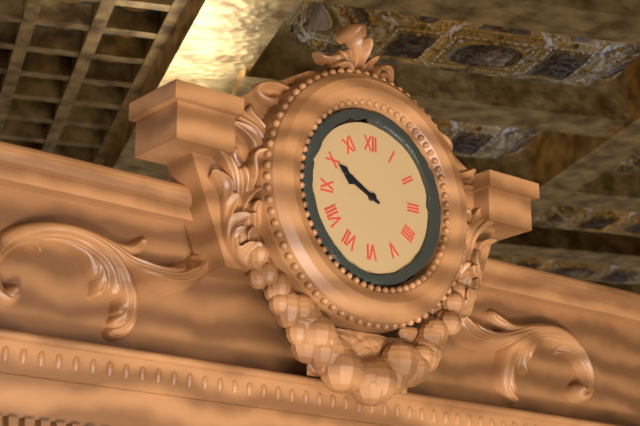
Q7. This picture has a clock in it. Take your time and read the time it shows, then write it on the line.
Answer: 9:50
